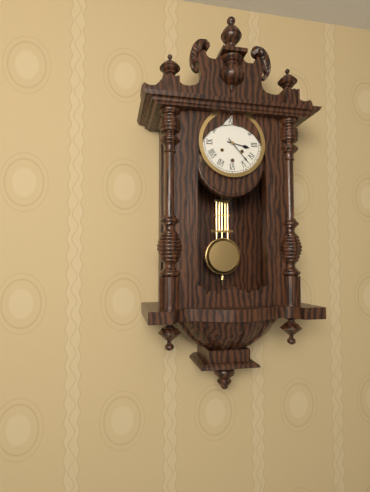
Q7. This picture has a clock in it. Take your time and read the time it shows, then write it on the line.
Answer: 3:23
